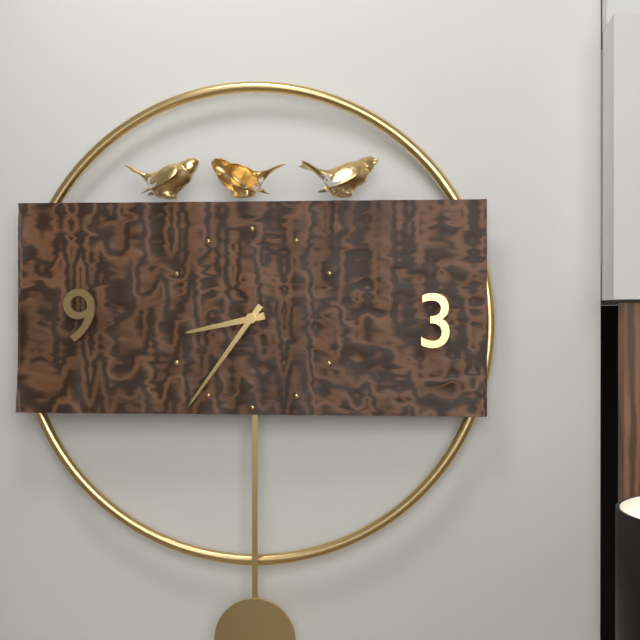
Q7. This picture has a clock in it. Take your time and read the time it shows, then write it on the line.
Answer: 8:36
